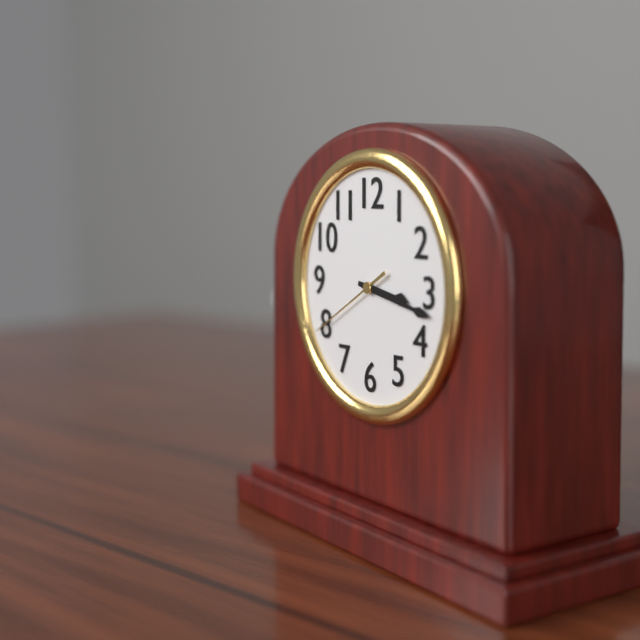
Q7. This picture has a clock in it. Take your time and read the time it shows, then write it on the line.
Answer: 3:17:40
